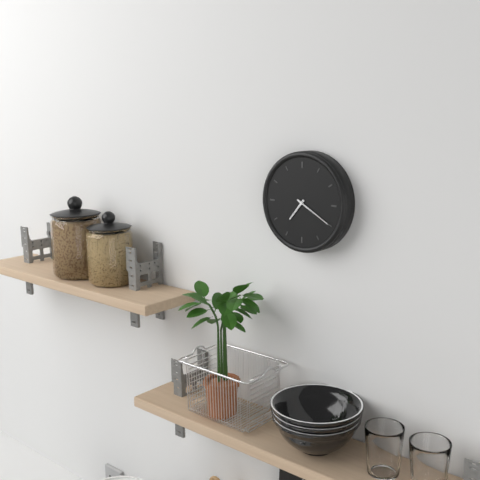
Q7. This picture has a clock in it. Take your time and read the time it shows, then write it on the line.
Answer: 7:20
